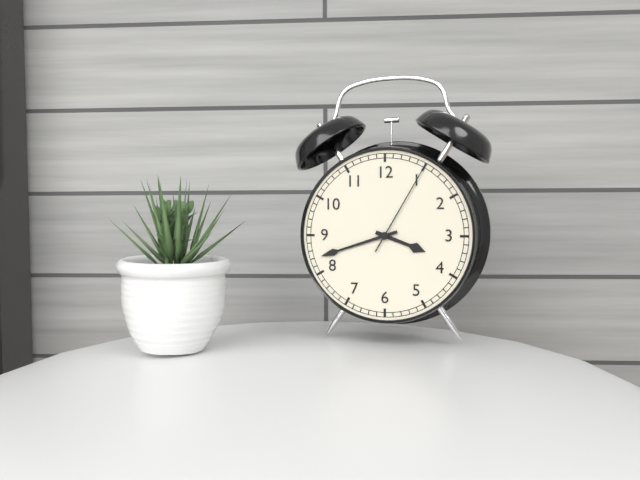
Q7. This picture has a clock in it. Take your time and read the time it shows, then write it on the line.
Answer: 3:42:05
